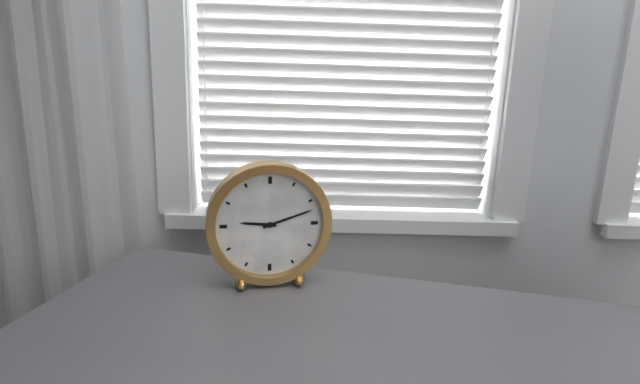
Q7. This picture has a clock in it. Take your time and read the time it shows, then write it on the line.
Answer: 9:12
